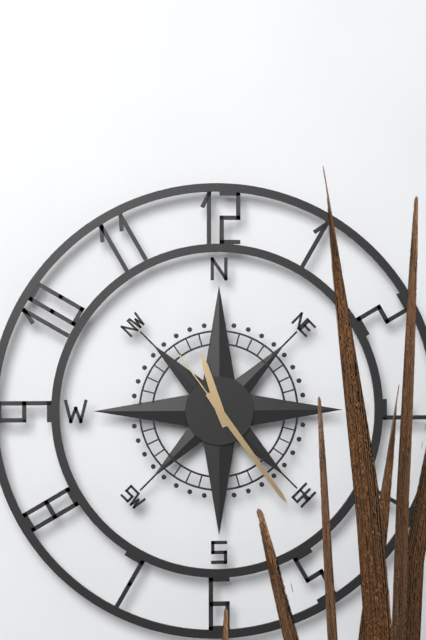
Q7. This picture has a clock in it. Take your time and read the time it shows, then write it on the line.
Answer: 11:24:54
